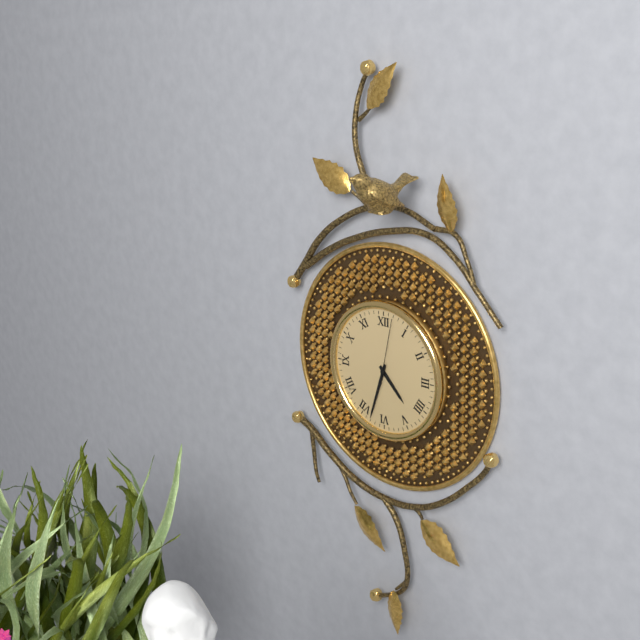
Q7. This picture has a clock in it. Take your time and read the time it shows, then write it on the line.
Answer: 4:33:02
